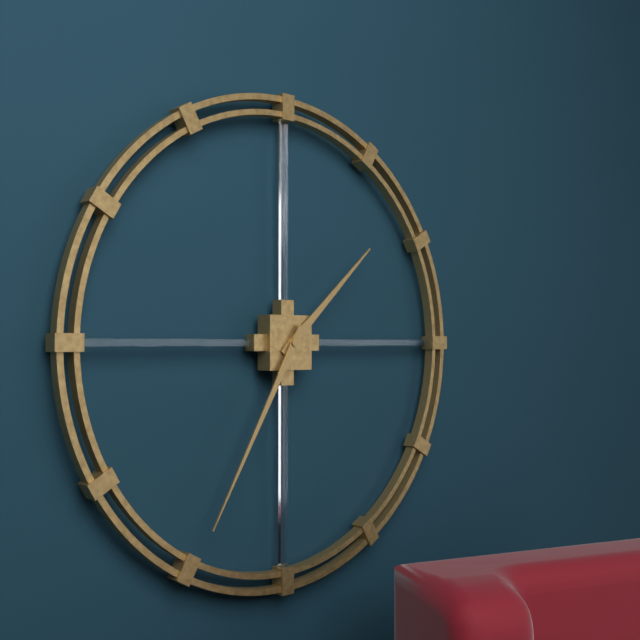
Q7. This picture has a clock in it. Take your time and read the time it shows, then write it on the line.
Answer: 1:35
